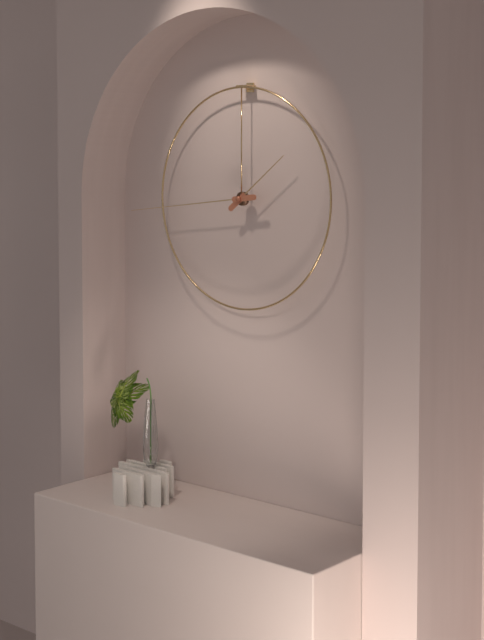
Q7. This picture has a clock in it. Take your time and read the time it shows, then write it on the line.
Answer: 1:44
